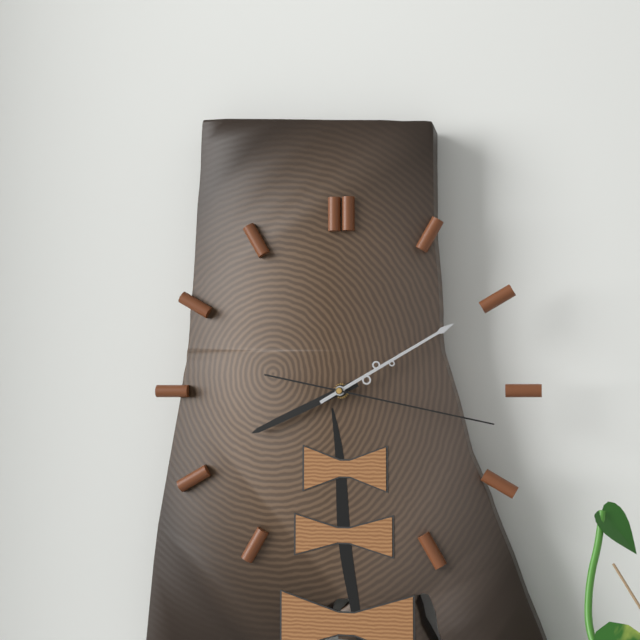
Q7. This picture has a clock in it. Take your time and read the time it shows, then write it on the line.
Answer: 8:10:17
